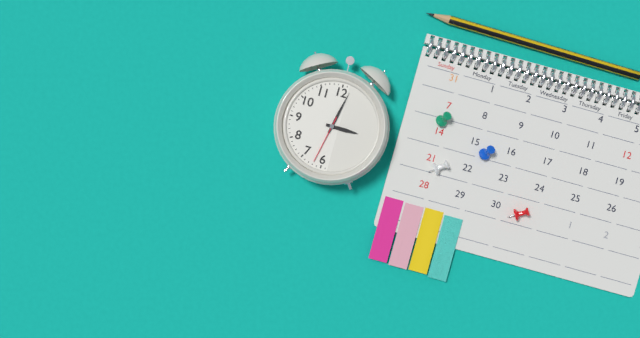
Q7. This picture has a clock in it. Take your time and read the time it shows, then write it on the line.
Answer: 3:02
